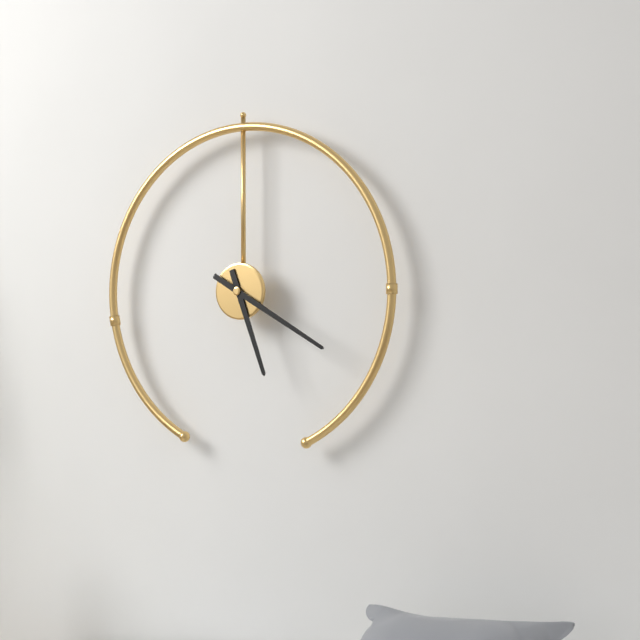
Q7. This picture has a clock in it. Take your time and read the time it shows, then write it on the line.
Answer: 5:20
